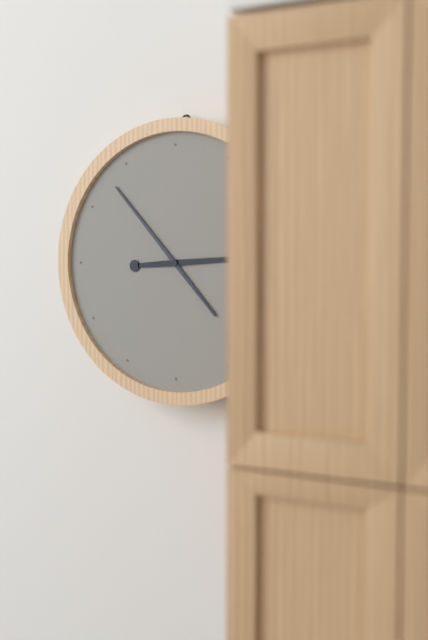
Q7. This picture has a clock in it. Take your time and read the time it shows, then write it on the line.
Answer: 2:53
